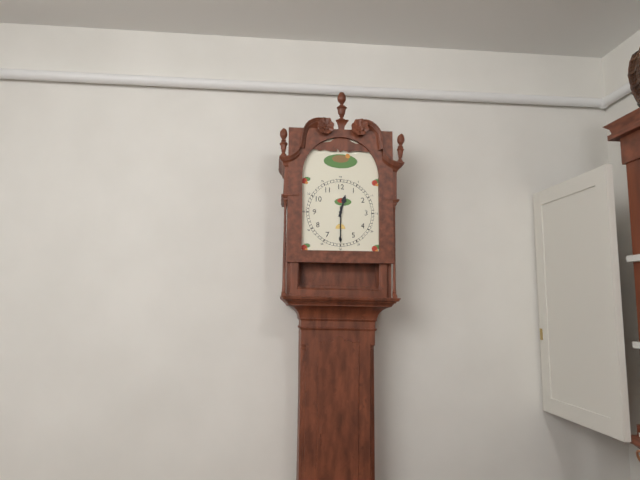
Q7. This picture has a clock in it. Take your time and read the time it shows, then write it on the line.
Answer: 12:30
